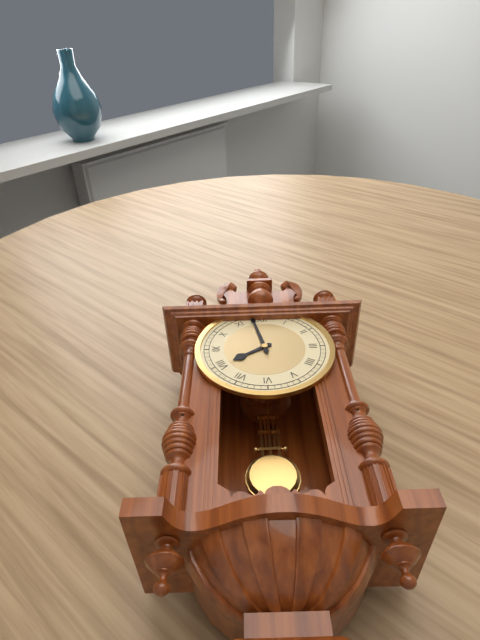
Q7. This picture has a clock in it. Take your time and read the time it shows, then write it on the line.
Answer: 7:58
